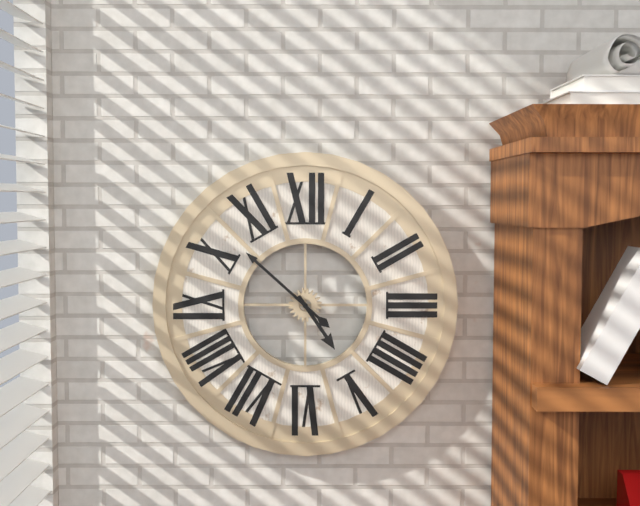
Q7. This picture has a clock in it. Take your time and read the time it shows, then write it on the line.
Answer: 4:52
